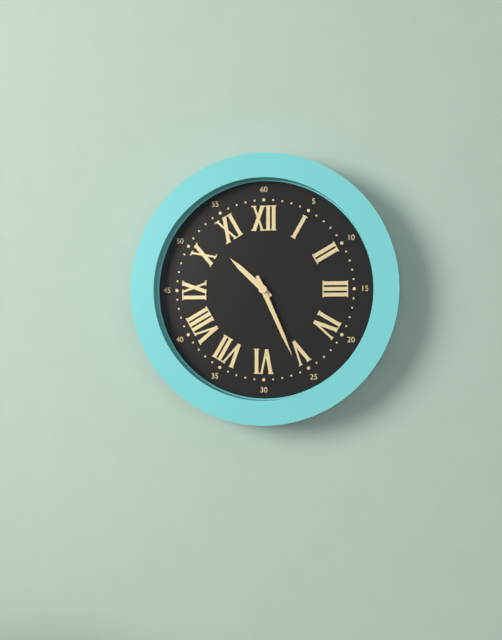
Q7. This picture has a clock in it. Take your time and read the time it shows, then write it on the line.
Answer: 10:26
